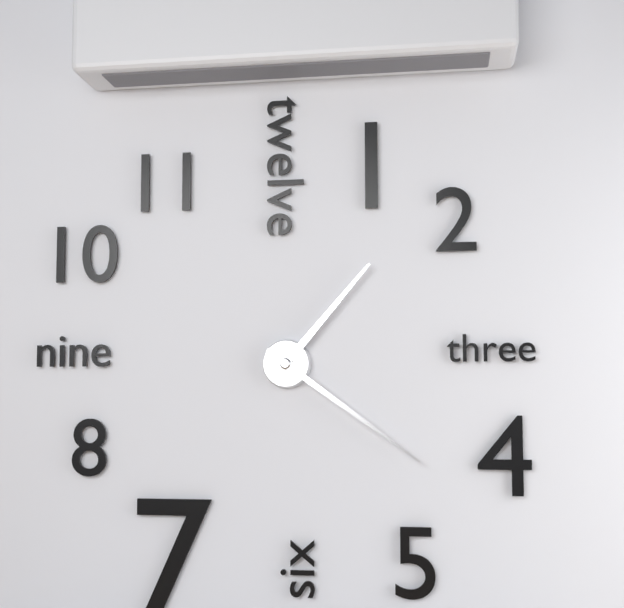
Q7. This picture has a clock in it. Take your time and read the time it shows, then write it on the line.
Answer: 1:21
